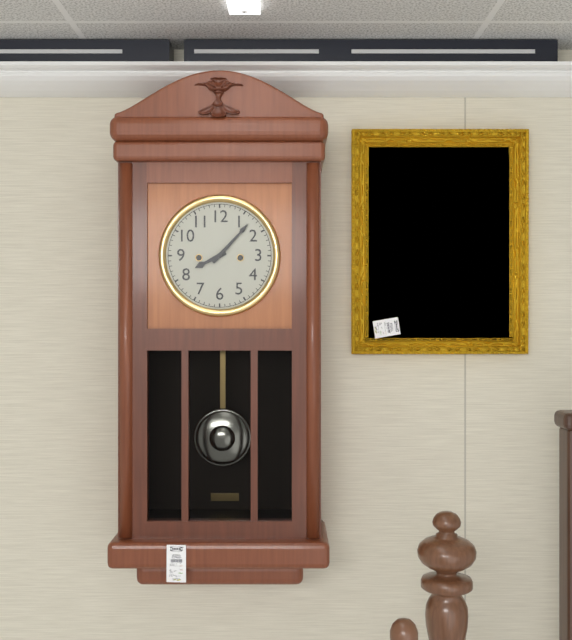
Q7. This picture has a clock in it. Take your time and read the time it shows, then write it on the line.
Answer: 8:07
